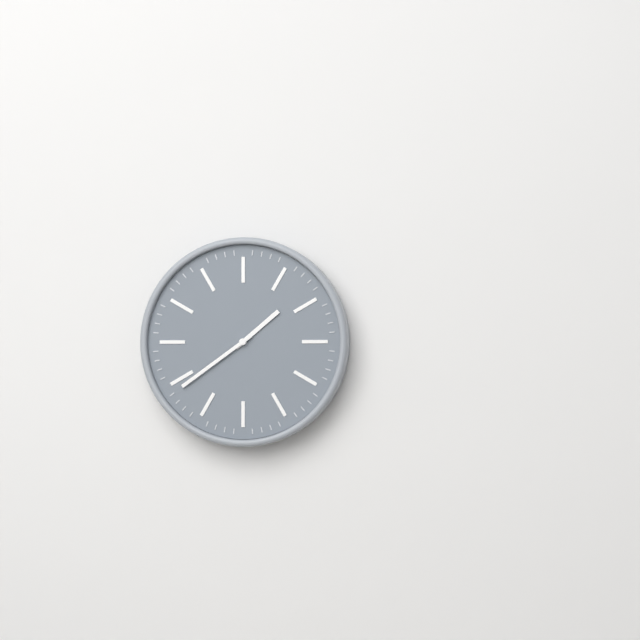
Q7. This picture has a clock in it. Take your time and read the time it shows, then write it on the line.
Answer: 1:39
